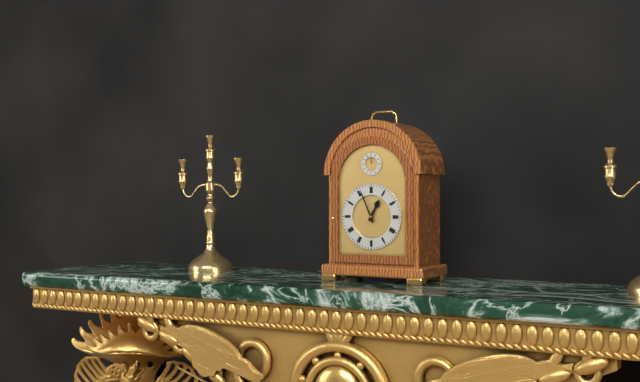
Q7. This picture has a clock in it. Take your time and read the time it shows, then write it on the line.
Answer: 12:56
